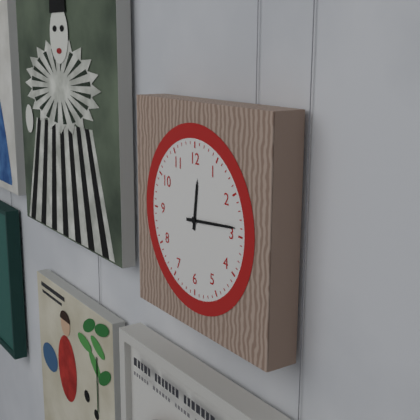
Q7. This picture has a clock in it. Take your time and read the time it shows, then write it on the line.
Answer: 12:14
